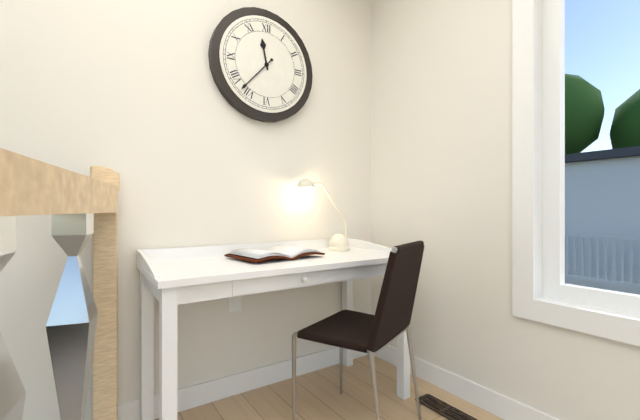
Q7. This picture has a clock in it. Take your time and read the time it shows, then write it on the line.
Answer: 11:37
